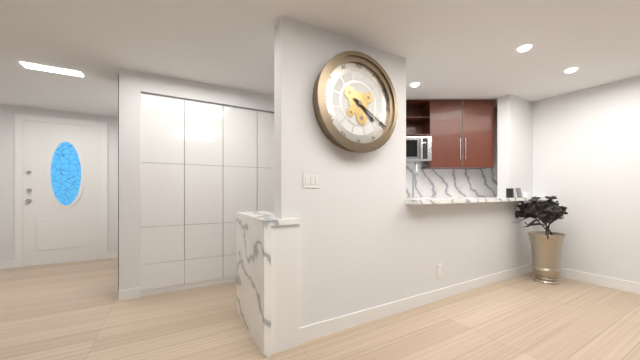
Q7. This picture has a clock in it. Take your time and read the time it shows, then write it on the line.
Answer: 4:20
